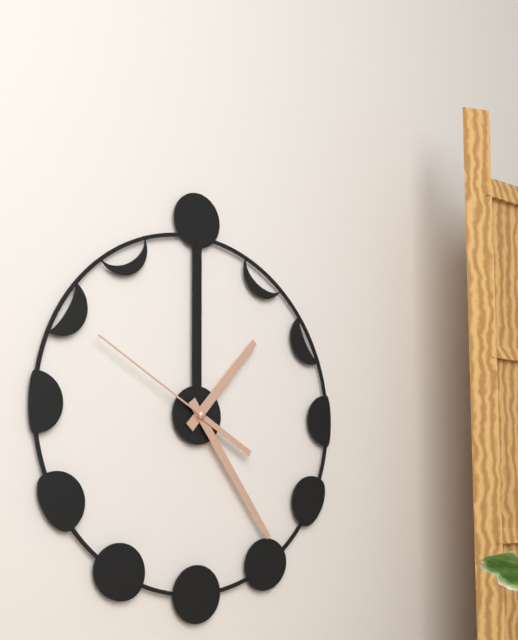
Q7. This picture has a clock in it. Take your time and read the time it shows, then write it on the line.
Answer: 1:24:50
